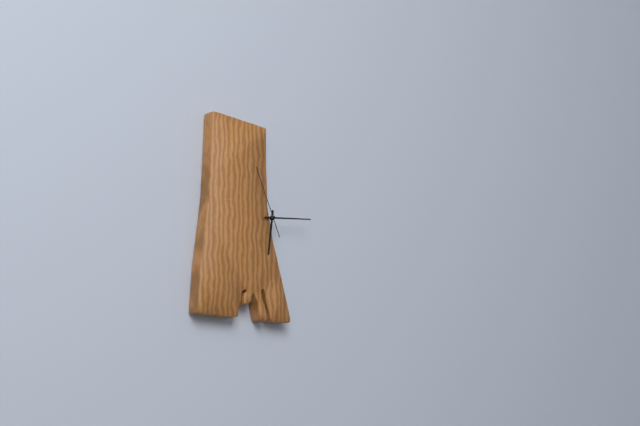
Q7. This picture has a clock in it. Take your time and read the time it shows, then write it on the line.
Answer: 6:14:56
